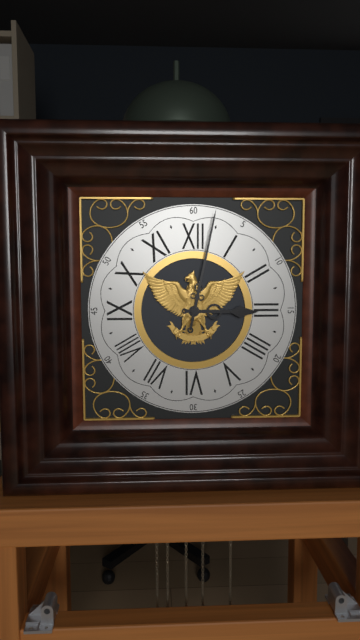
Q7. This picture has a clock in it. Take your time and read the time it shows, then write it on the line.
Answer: 3:02
